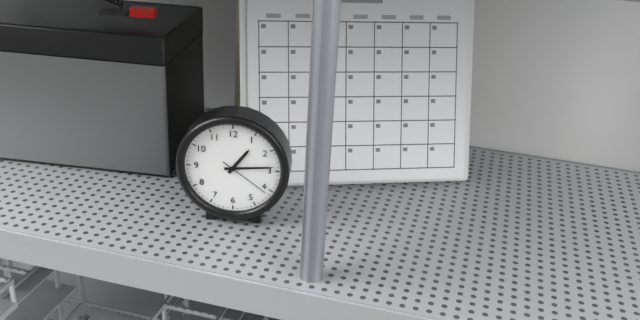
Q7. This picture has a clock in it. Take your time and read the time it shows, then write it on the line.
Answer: 1:14:21
